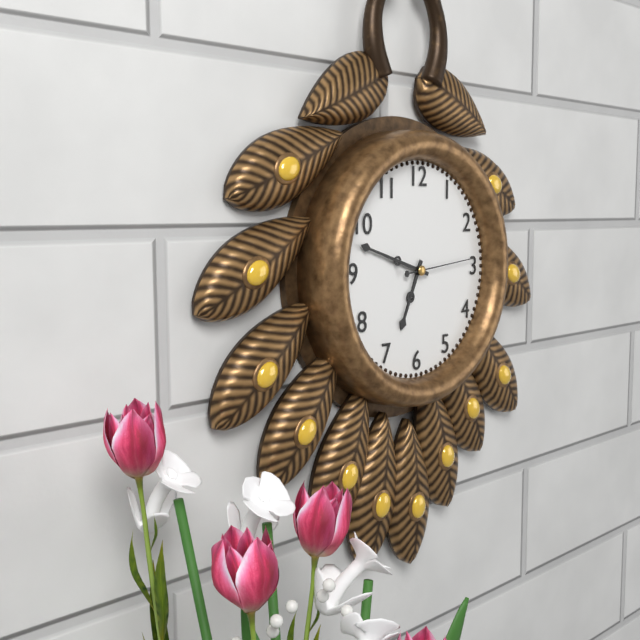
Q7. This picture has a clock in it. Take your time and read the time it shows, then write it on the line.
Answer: 6:48:14
